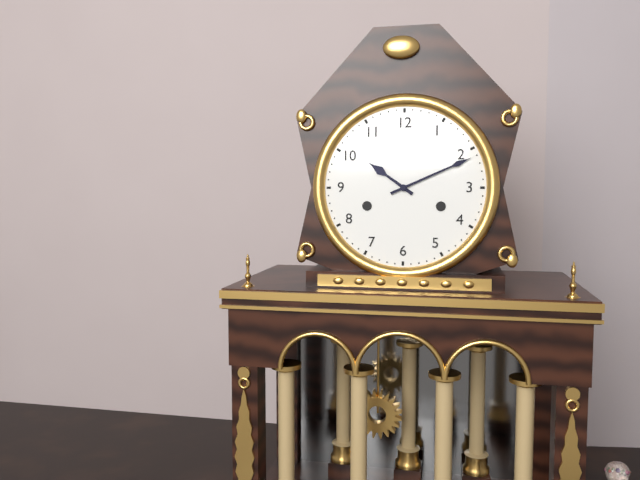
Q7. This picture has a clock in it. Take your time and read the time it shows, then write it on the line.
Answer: 10:11
